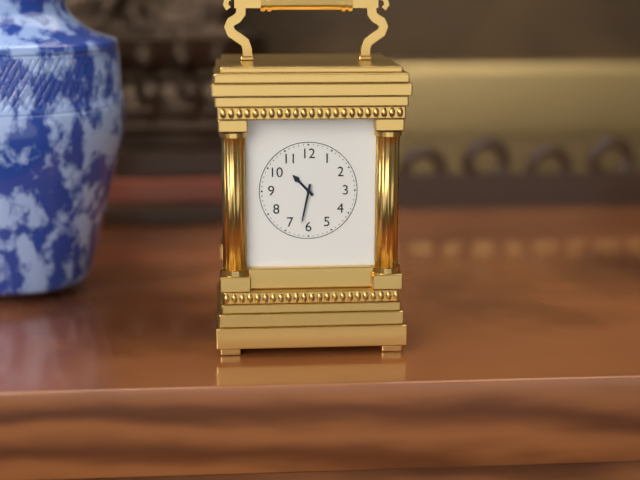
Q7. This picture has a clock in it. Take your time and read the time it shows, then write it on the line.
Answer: 10:32
